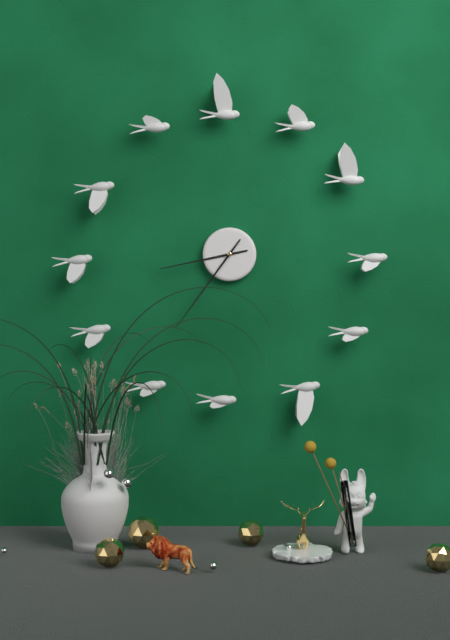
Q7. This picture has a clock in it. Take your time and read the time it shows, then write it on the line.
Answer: 8:36
